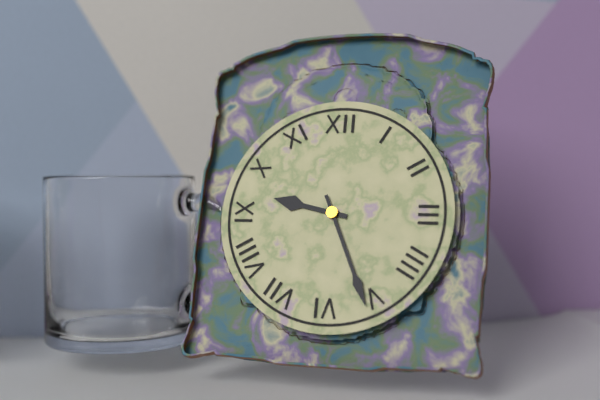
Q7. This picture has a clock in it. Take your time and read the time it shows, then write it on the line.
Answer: 9:26
